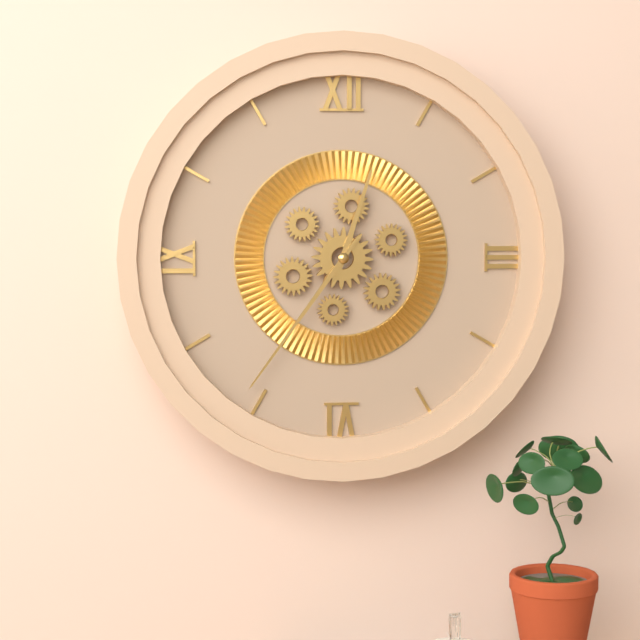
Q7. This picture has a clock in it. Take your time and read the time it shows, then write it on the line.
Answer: 12:36
